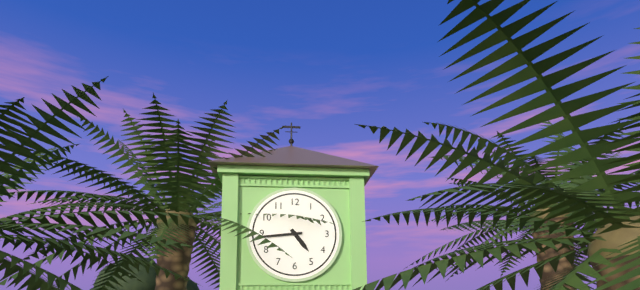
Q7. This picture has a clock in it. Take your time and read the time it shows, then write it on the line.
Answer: 4:44
